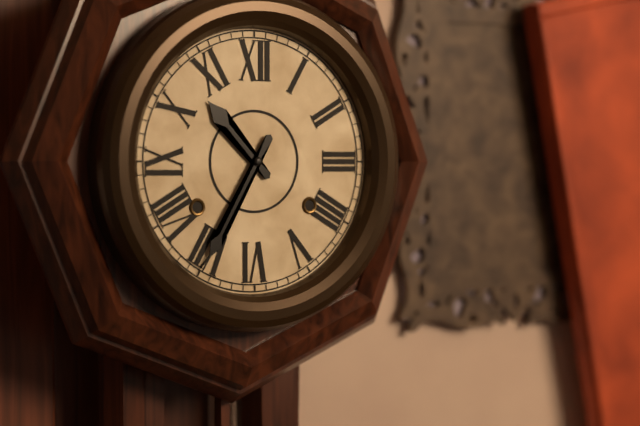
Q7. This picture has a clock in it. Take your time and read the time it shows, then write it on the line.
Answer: 10:35
